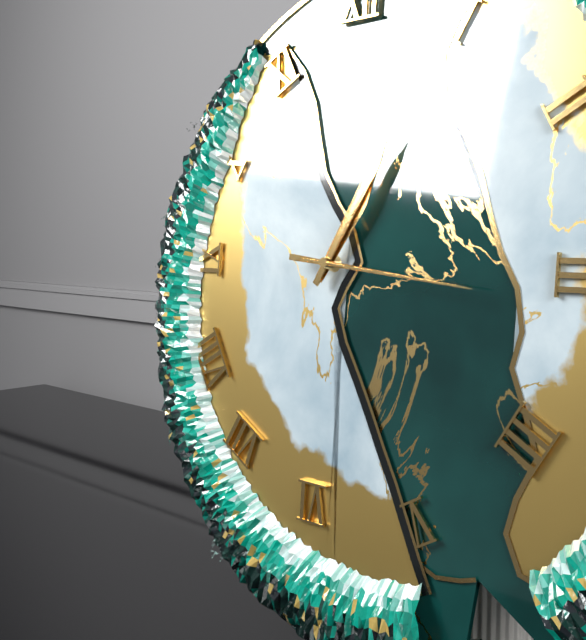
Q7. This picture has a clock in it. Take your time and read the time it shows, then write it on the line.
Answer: 1:05:16
